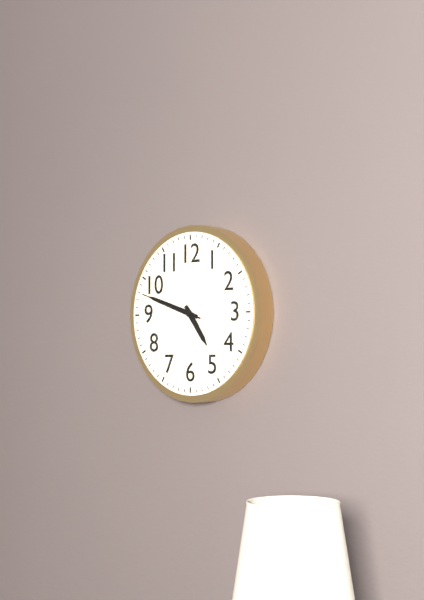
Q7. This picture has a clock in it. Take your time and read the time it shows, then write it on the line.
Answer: 4:48:48
